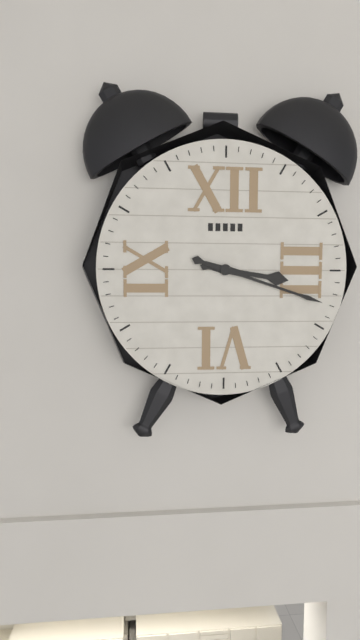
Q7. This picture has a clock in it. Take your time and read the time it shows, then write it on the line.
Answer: 3:18
